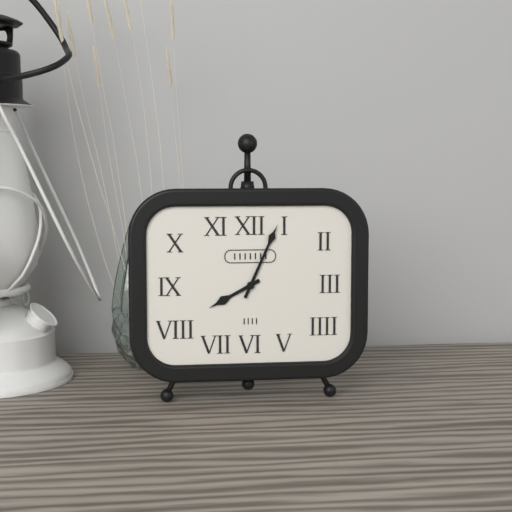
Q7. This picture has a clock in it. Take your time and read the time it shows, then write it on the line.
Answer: 8:04
